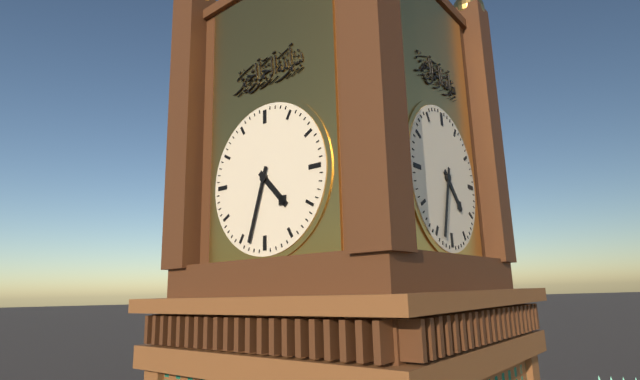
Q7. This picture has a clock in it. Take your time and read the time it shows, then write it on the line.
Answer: 4:33
